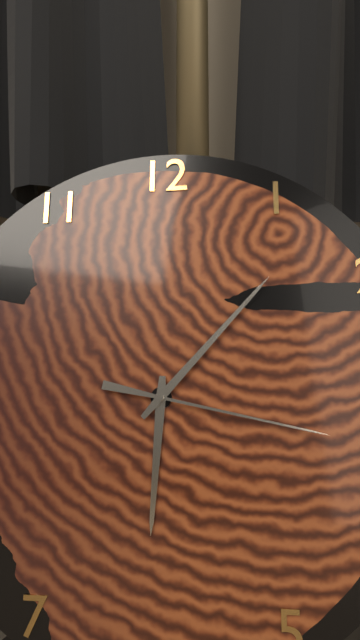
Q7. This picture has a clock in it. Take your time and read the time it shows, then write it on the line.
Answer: 6:07:17
